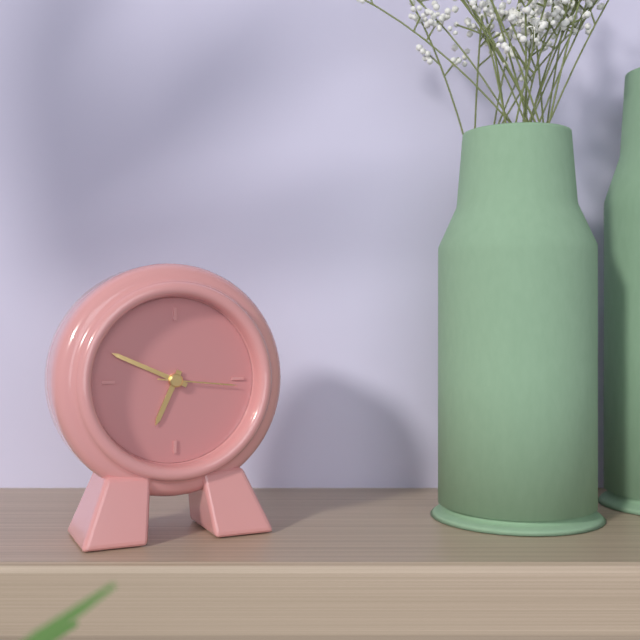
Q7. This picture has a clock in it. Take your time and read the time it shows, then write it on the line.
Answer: 6:49:16
